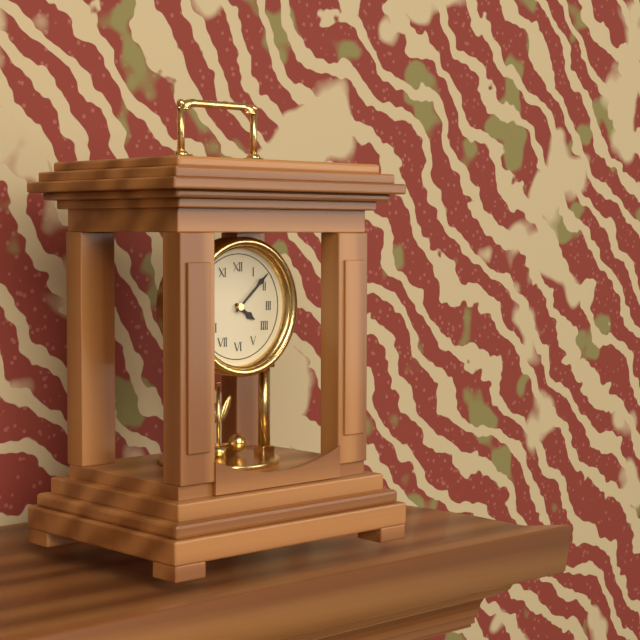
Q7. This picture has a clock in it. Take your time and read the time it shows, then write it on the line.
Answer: 4:08
